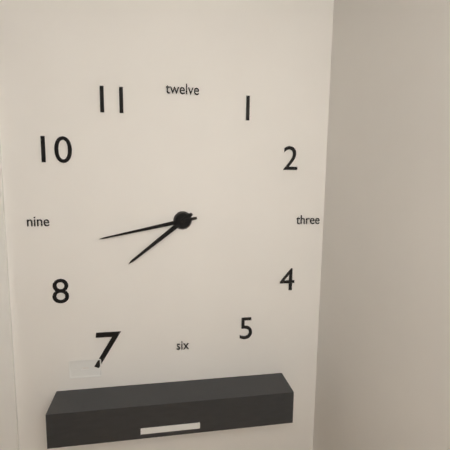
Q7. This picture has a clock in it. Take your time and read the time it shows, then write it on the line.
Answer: 7:43
